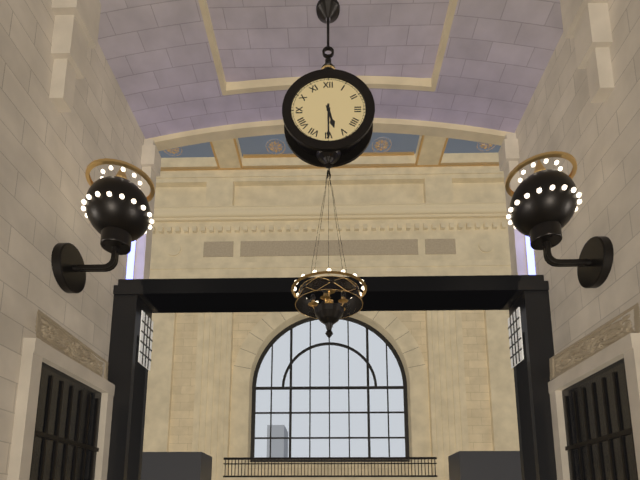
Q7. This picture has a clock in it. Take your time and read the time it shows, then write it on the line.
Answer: 5:30
